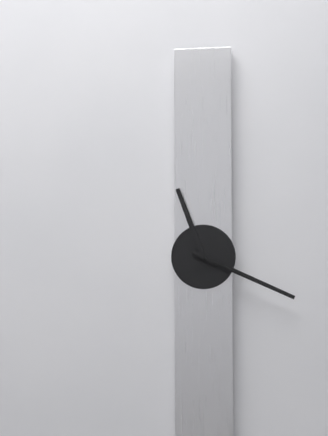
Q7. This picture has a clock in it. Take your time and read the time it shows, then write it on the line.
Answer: 11:19:19
